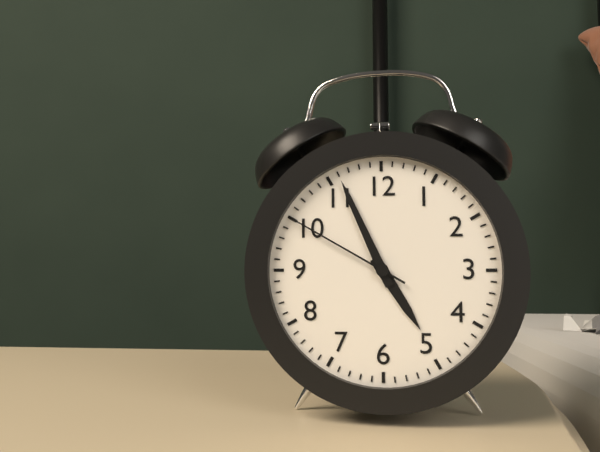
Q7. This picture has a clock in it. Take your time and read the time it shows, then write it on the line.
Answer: 4:56:50
